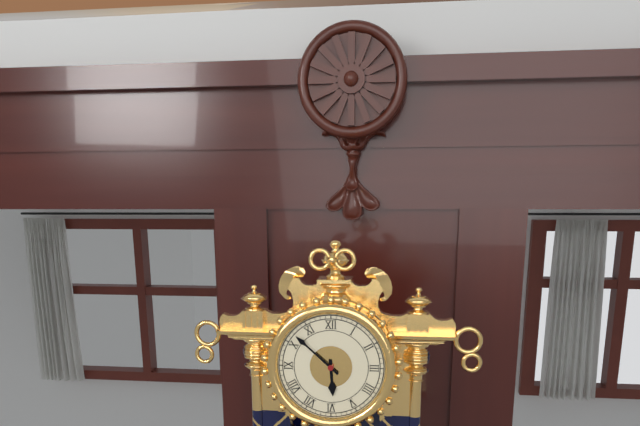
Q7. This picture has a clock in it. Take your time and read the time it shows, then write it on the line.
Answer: 5:52
